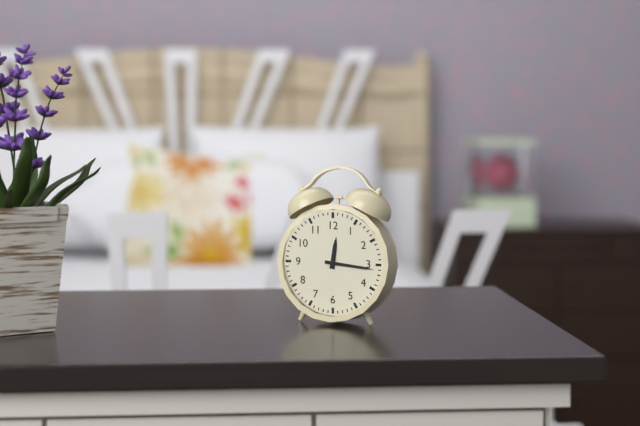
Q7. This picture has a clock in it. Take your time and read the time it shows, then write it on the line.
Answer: 12:16
